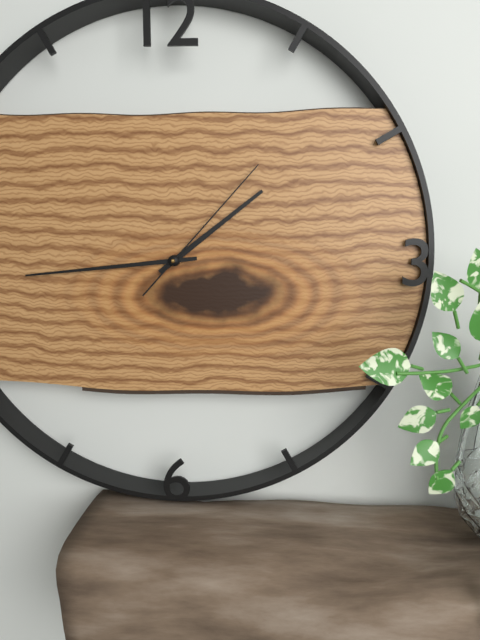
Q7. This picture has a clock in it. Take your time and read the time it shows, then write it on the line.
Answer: 1:44:07
